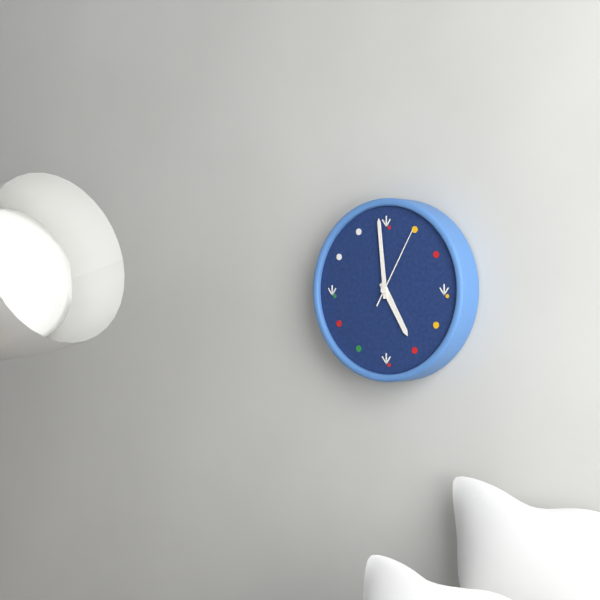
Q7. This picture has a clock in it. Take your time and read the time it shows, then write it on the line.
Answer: 4:59:05
